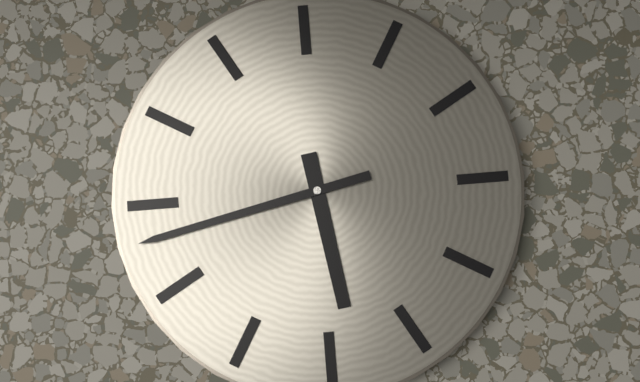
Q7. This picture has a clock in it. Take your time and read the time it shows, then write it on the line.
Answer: 5:43
